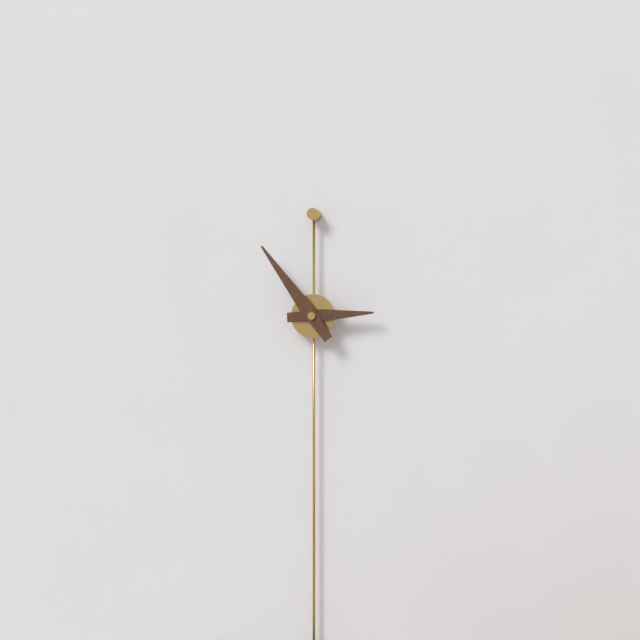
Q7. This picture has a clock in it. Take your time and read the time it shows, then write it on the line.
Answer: 2:54
